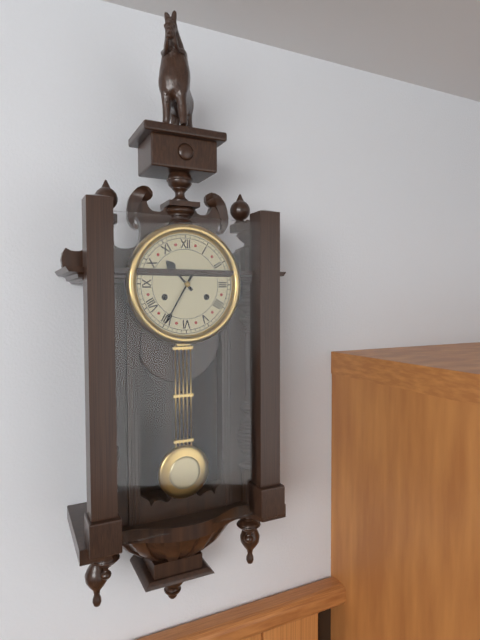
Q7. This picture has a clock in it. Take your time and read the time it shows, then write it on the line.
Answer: 10:35
